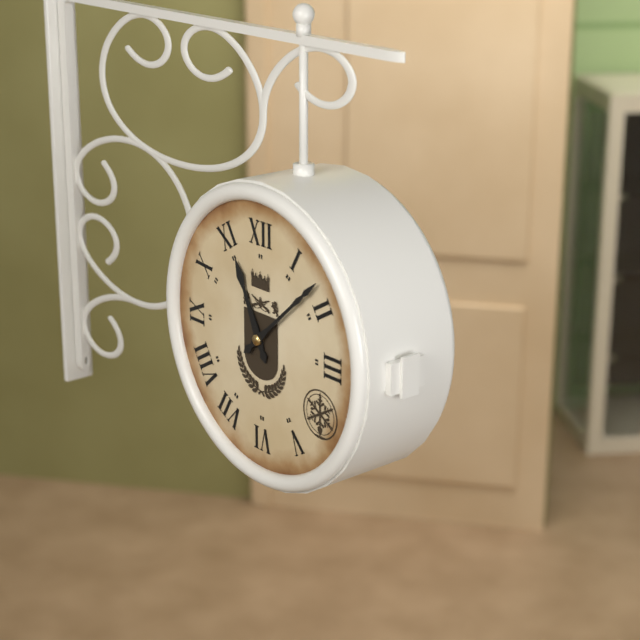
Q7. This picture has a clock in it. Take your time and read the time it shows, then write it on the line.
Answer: 11:08
